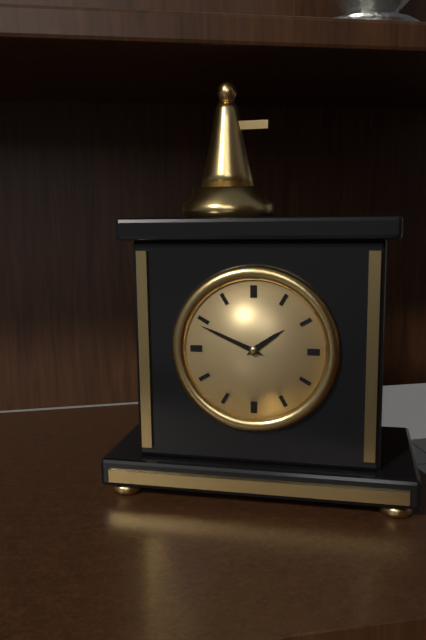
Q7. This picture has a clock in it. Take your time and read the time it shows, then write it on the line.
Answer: 1:49
